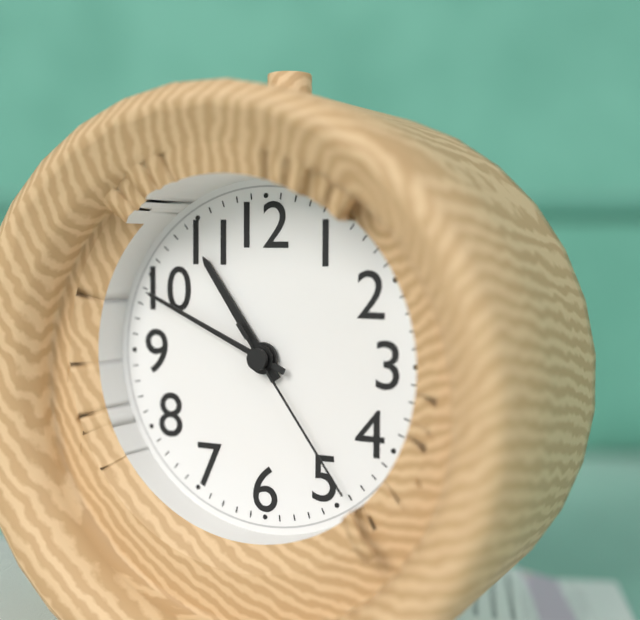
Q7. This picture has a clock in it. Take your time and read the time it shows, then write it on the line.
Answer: 10:49:24
